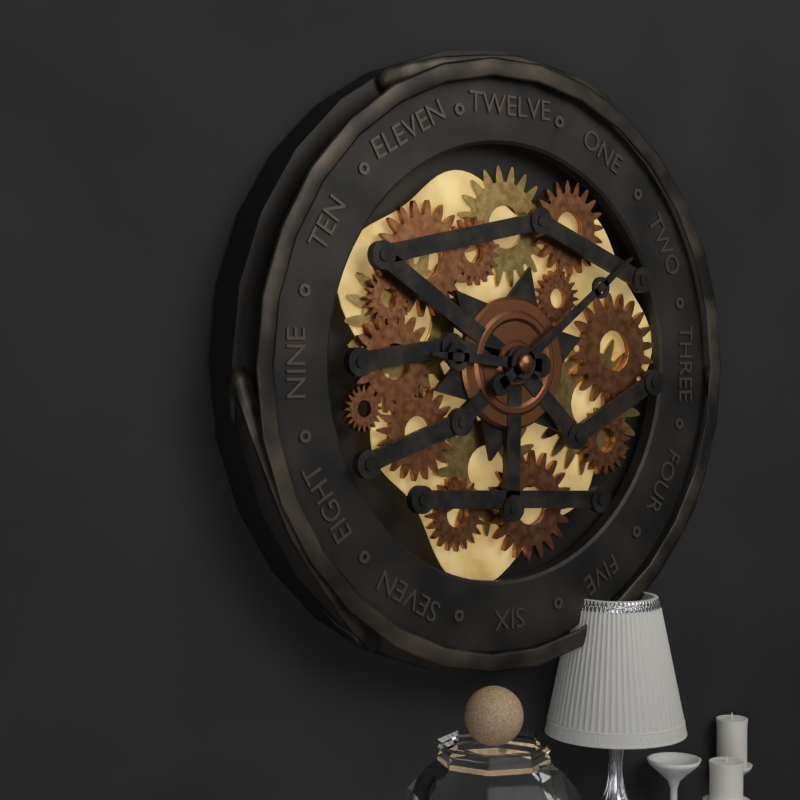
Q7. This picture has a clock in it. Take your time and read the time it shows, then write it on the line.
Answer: 9:09
